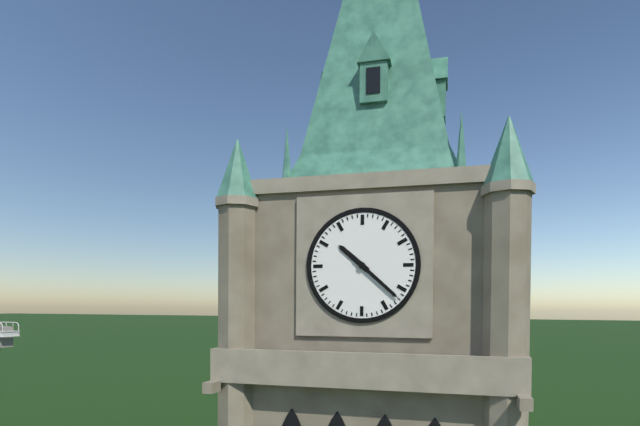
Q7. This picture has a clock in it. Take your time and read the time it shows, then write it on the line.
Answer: 10:22
